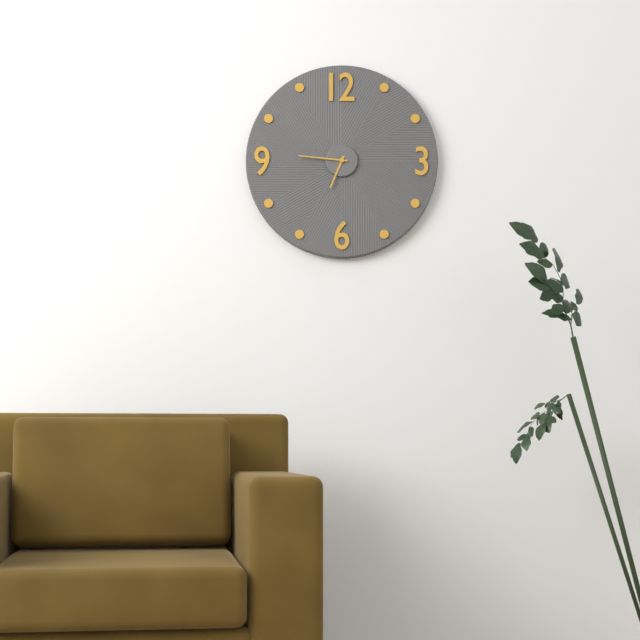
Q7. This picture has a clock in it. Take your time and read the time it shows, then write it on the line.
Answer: 6:46
